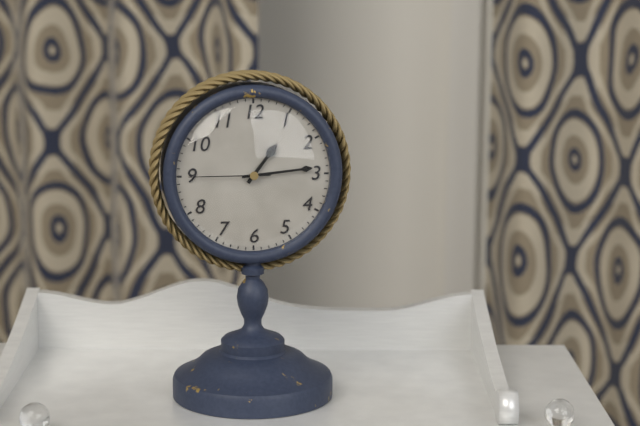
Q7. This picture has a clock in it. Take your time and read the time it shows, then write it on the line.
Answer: 1:14:45
